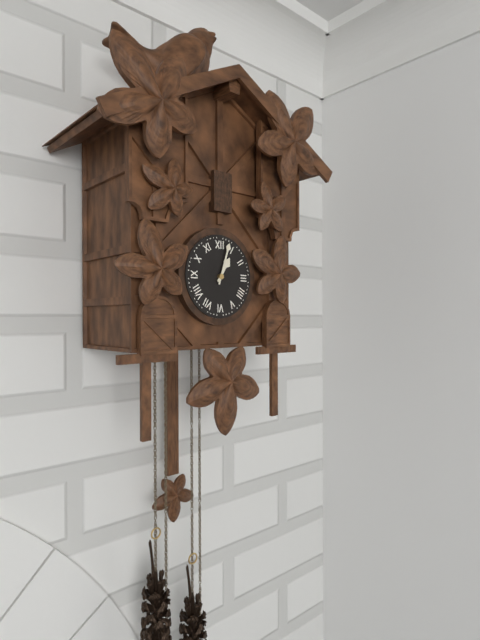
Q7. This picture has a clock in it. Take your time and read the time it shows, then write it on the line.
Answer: 1:03
